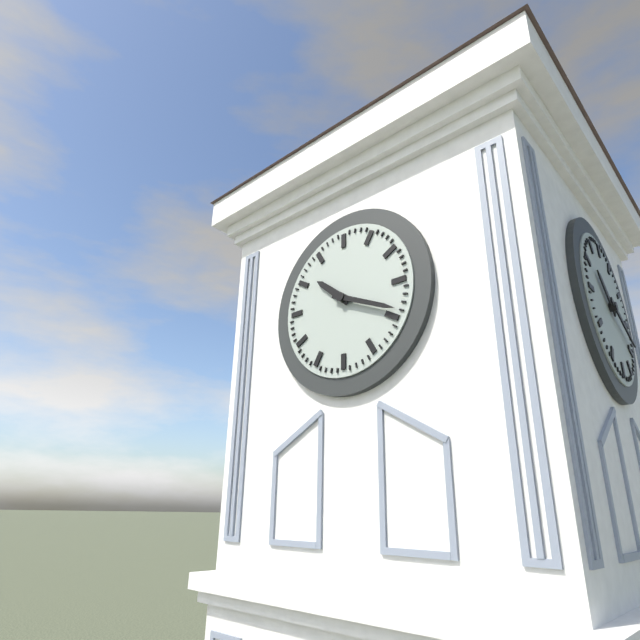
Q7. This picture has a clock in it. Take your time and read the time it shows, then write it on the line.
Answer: 10:19
